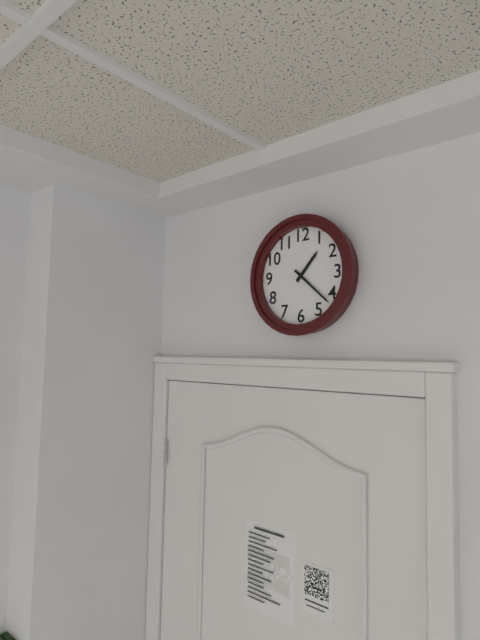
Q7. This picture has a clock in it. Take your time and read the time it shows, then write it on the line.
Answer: 1:22
